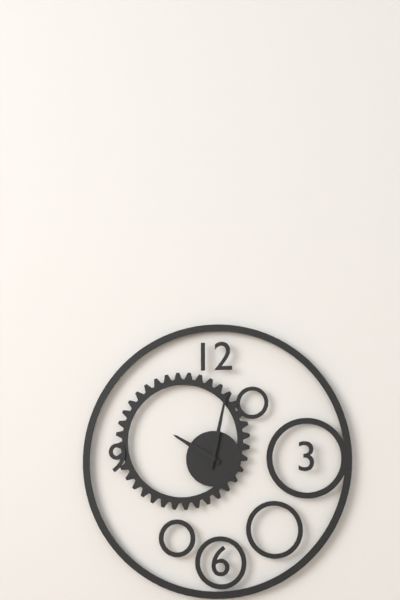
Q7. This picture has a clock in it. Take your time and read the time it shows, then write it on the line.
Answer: 10:02
